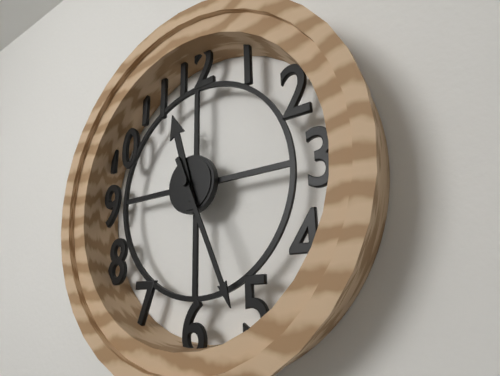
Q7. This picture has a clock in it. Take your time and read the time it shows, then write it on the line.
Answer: 11:26
